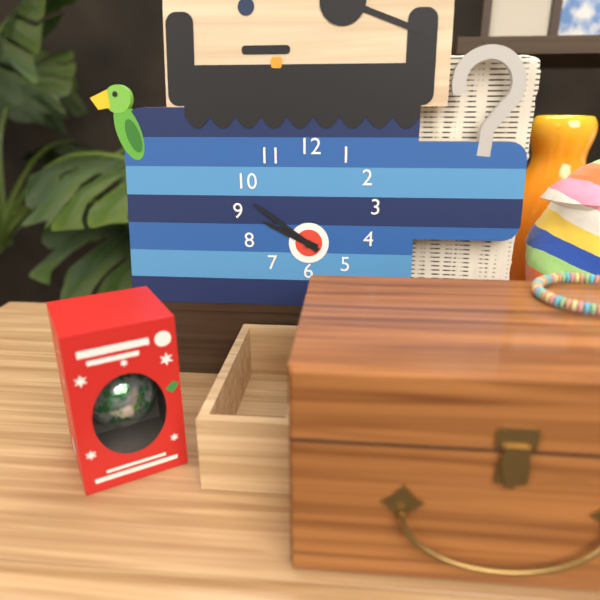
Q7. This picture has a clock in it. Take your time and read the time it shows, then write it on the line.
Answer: 9:51
